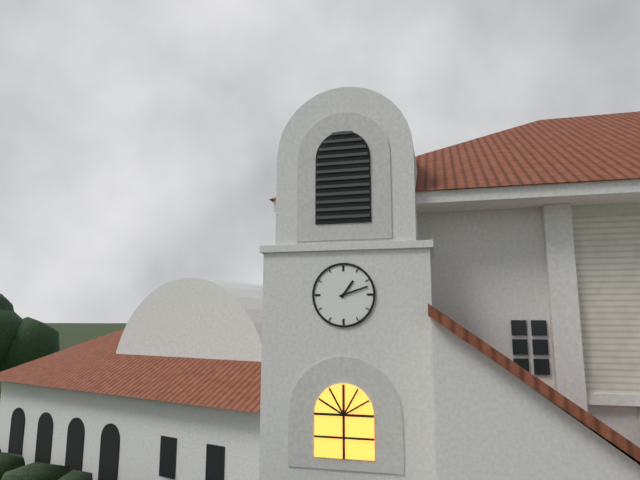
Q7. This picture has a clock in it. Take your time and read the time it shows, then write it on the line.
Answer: 1:12
